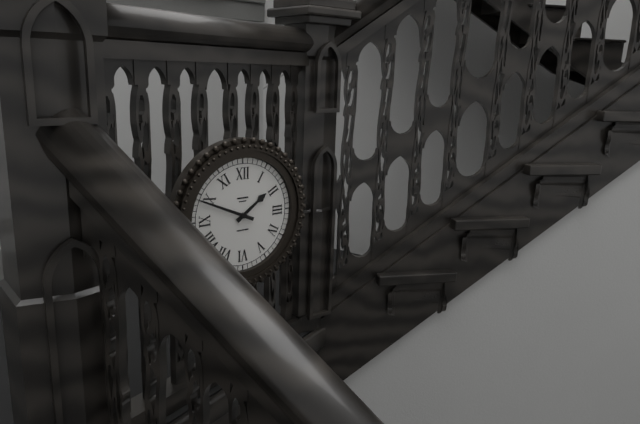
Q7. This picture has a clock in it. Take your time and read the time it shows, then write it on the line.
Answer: 1:49
